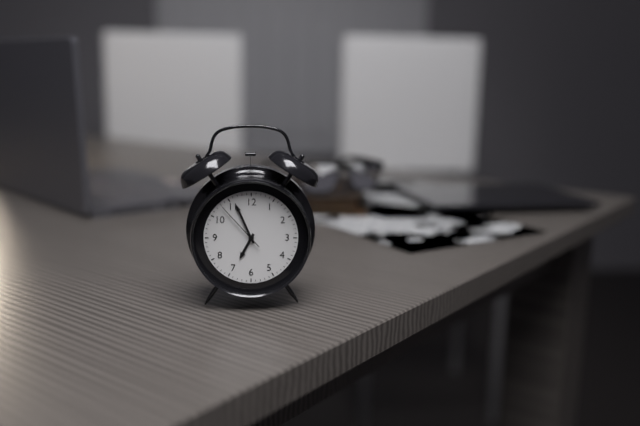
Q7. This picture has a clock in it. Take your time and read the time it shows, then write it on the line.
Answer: 6:56:53
